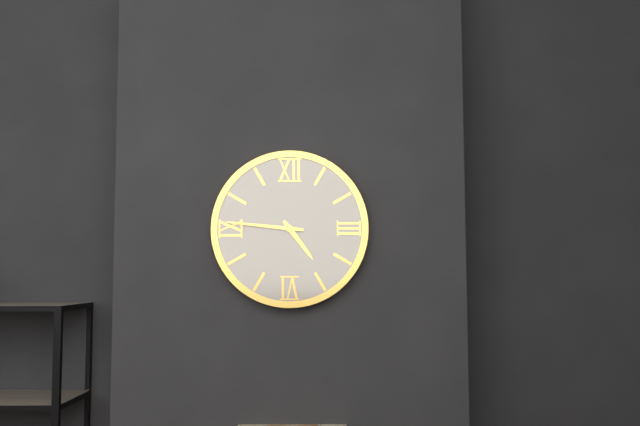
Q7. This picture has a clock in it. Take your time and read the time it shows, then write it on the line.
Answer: 4:46
